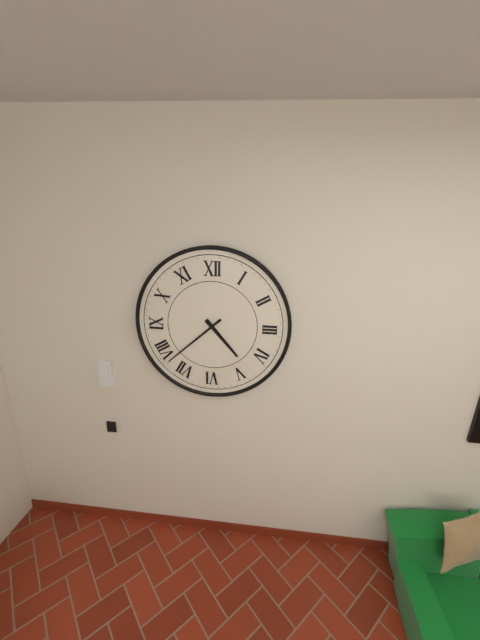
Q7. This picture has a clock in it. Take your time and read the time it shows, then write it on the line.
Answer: 4:38
